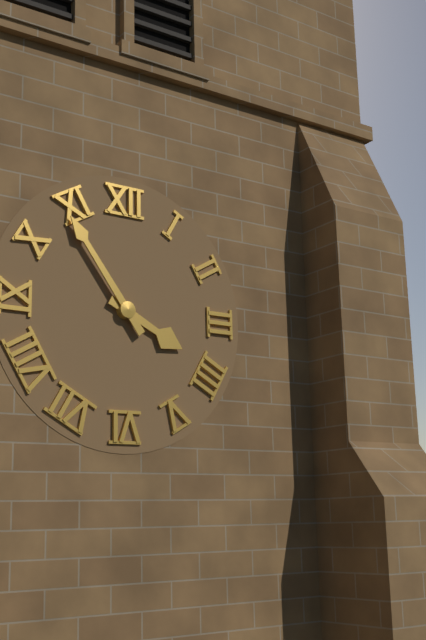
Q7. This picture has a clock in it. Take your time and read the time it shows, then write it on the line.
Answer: 3:54
